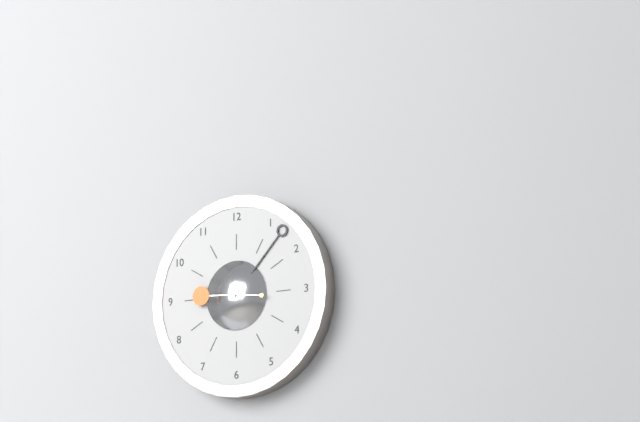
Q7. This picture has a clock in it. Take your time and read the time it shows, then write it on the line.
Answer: 9:07
